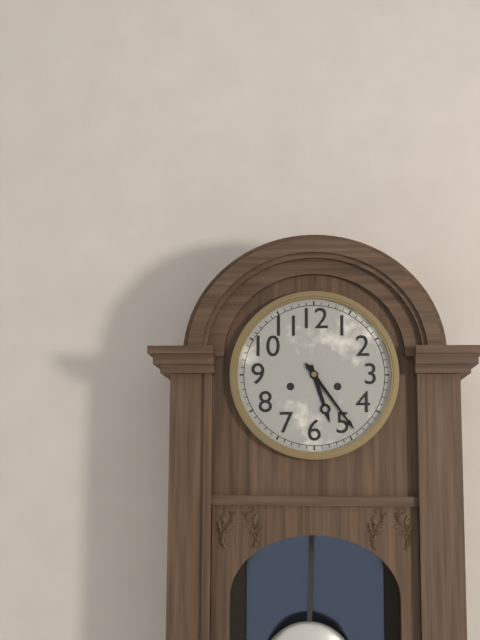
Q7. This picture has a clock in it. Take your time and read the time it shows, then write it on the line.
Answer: 5:24
